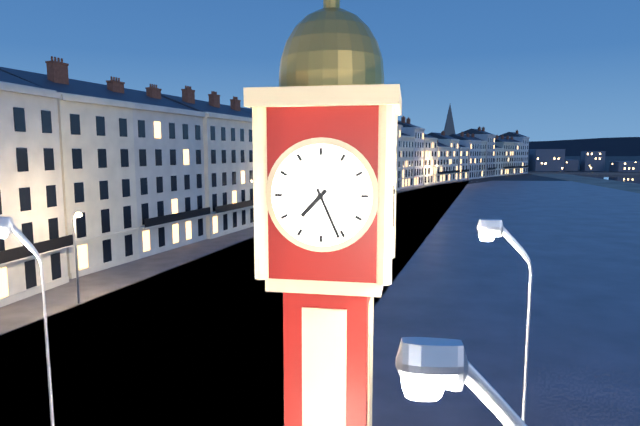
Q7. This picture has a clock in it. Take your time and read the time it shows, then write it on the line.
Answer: 7:26
